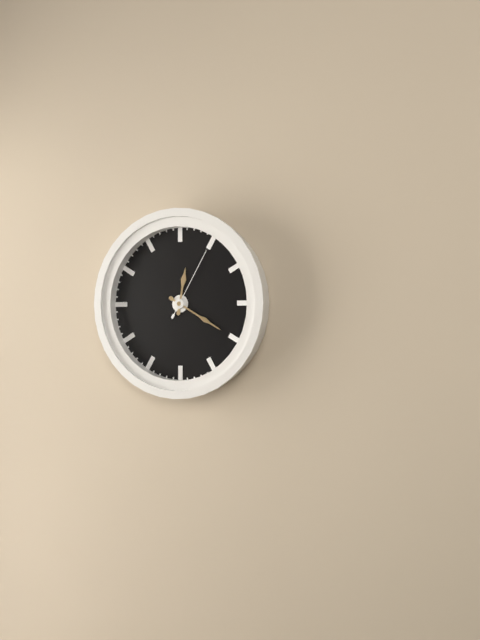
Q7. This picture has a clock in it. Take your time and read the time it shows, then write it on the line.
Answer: 12:20:05
